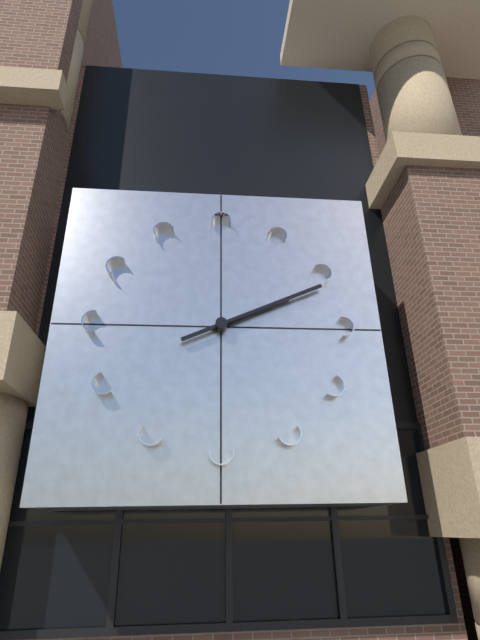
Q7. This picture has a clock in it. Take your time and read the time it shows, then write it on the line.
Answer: 2:11
